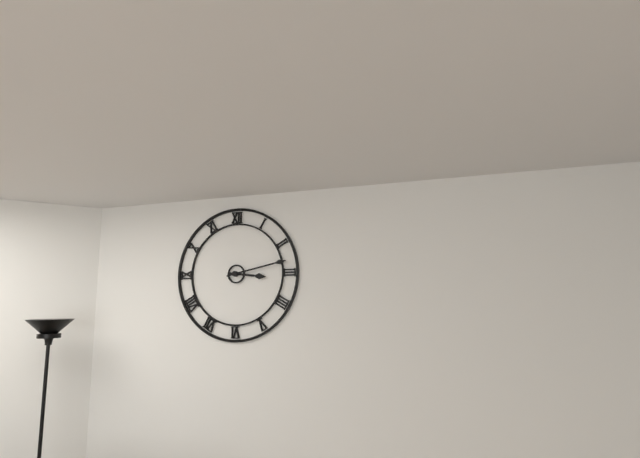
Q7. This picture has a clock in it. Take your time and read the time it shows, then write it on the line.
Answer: 3:13
